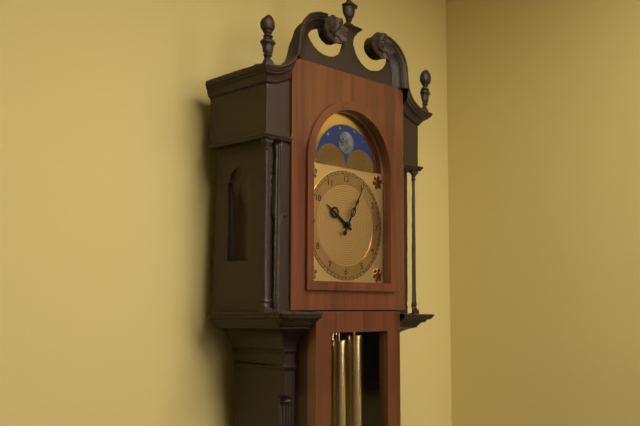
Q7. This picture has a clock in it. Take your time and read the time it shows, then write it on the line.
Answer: 10:05
